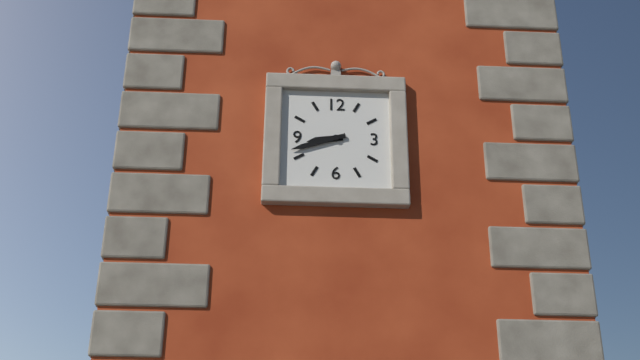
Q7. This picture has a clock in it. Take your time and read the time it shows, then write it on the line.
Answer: 8:42
